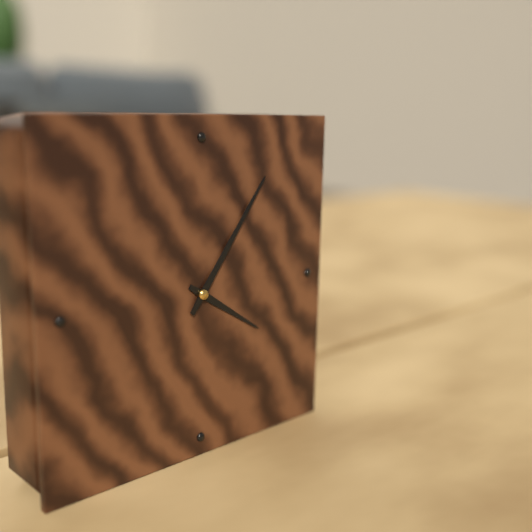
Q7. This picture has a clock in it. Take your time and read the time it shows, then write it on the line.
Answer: 4:06
